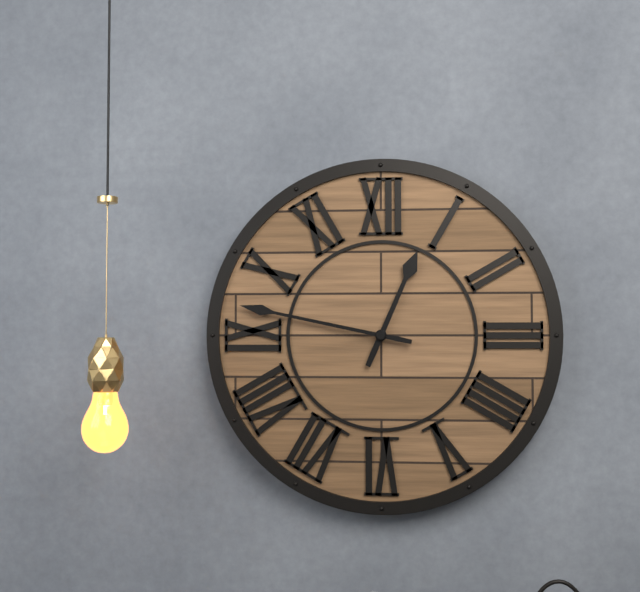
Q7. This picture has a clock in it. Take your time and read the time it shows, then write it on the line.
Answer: 12:47
